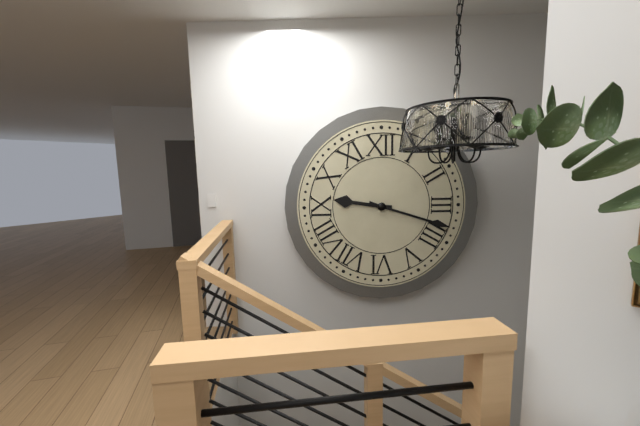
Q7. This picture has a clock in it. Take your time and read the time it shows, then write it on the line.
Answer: 9:18
